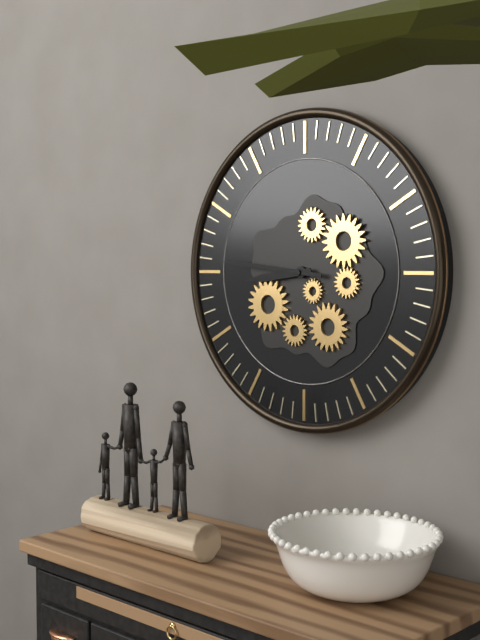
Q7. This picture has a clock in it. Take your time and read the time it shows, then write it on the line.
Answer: 8:46
